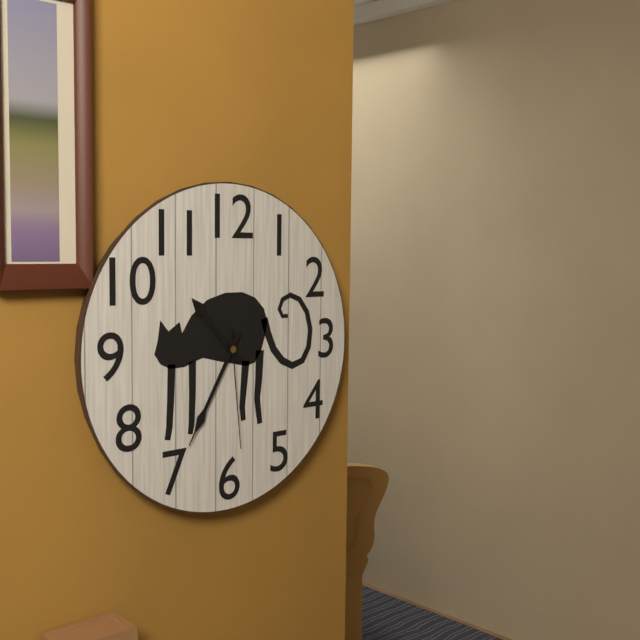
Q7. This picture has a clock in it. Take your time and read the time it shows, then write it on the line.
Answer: 10:35:29
